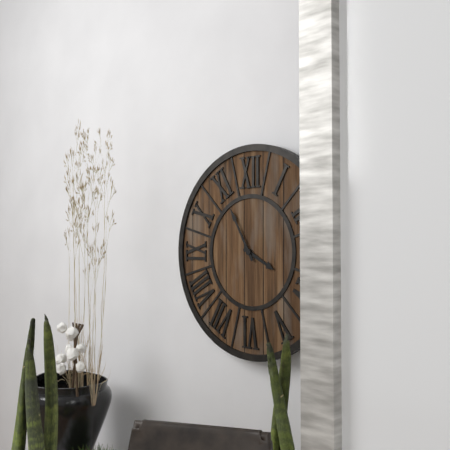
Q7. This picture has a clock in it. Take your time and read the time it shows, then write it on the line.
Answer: 3:55
